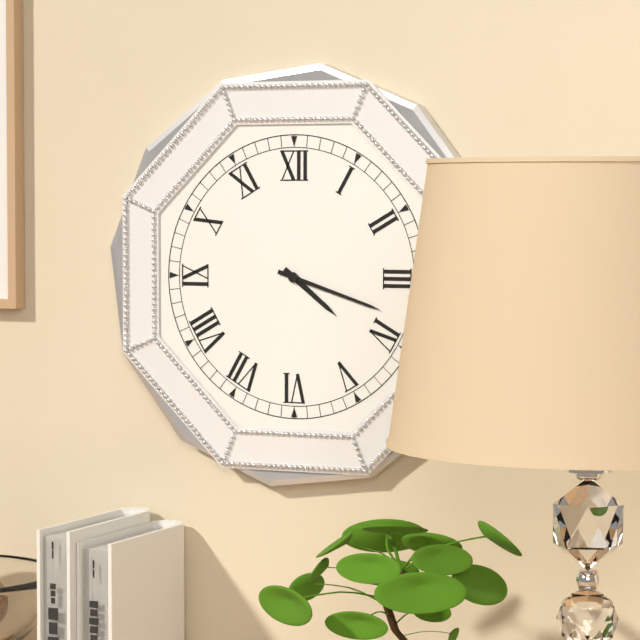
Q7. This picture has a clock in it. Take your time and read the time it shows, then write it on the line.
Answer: 4:18
